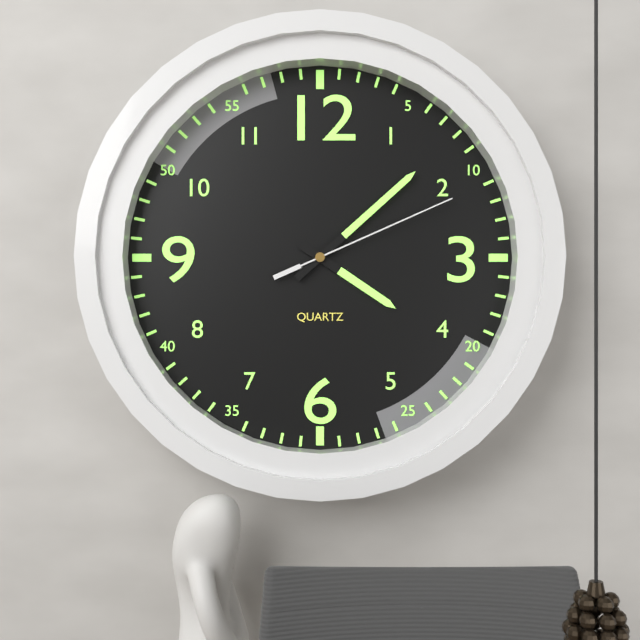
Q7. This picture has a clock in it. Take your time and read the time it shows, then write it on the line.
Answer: 4:08:11
